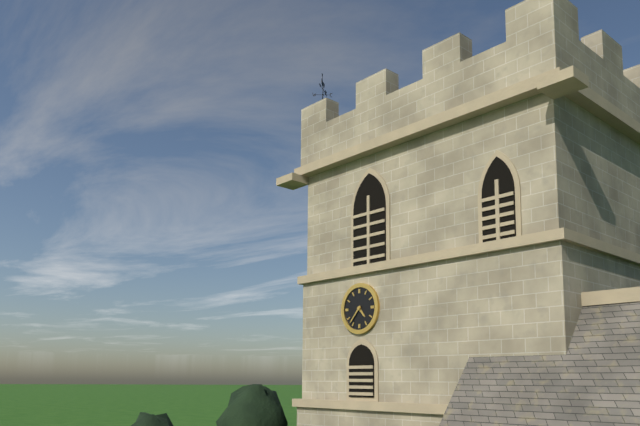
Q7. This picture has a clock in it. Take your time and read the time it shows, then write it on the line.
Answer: 4:37
